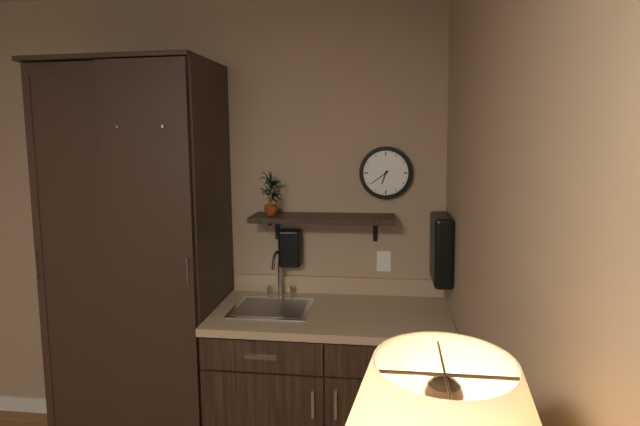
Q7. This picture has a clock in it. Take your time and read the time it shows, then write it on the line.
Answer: 6:39
